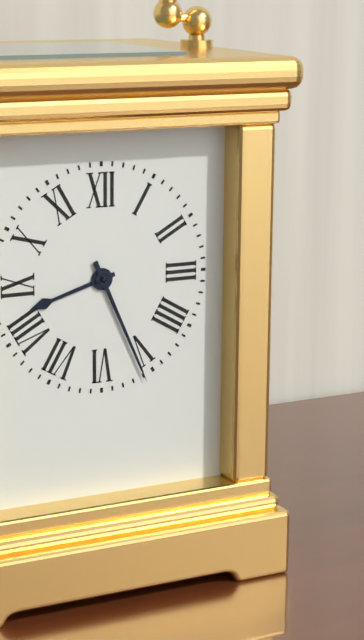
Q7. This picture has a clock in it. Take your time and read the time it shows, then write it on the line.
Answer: 8:26
